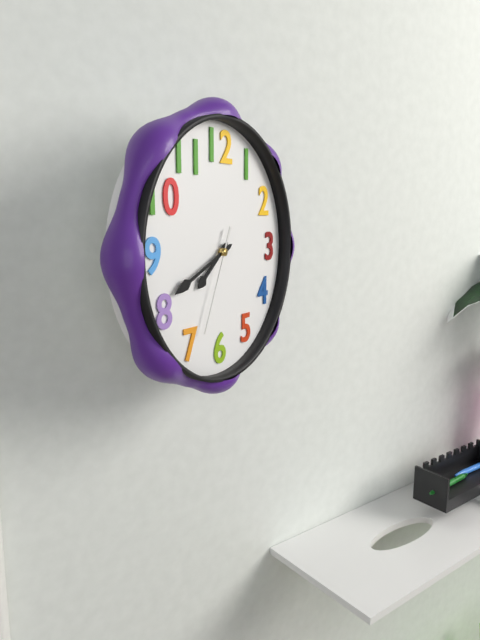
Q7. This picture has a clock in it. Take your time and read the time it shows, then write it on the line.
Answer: 7:41:34
